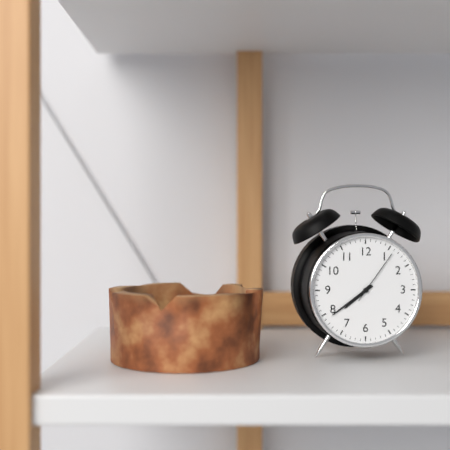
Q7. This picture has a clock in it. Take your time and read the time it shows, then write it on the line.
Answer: 7:39:06
